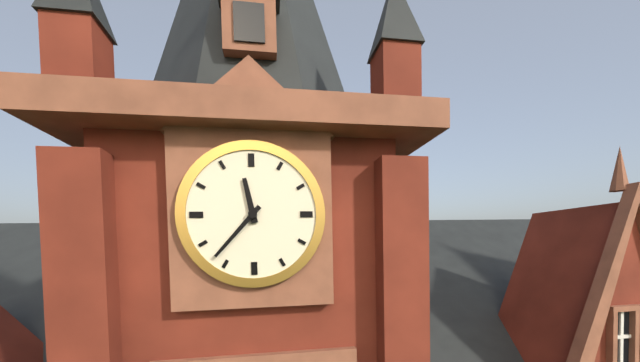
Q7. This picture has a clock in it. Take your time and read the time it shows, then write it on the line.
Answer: 11:37
